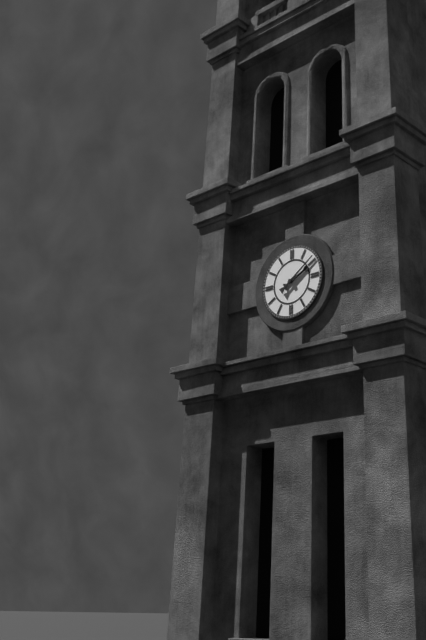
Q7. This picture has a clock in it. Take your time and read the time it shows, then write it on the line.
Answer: 2:09
